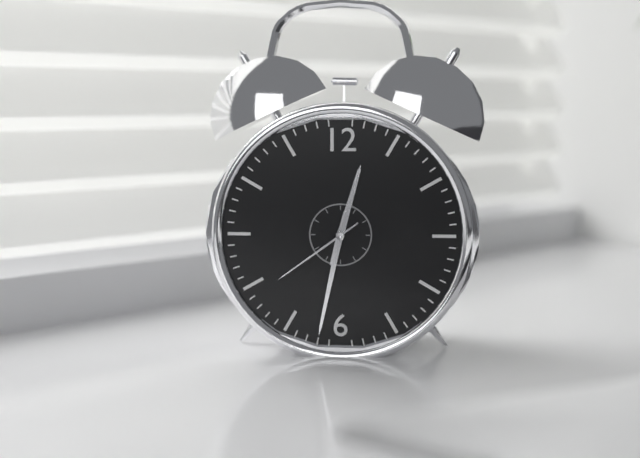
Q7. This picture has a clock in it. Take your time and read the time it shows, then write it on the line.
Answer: 12:32:39
